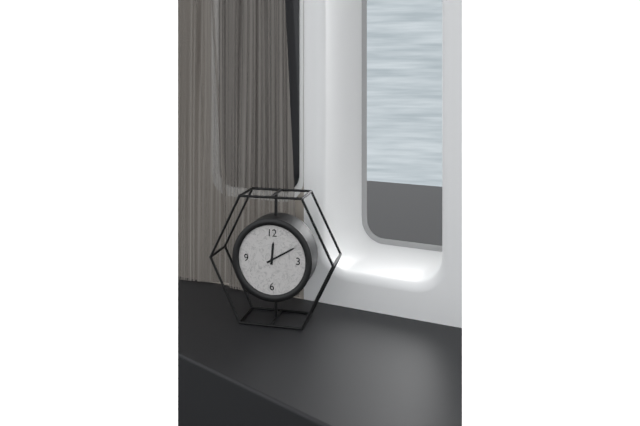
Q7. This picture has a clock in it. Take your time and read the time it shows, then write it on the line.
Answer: 12:10
